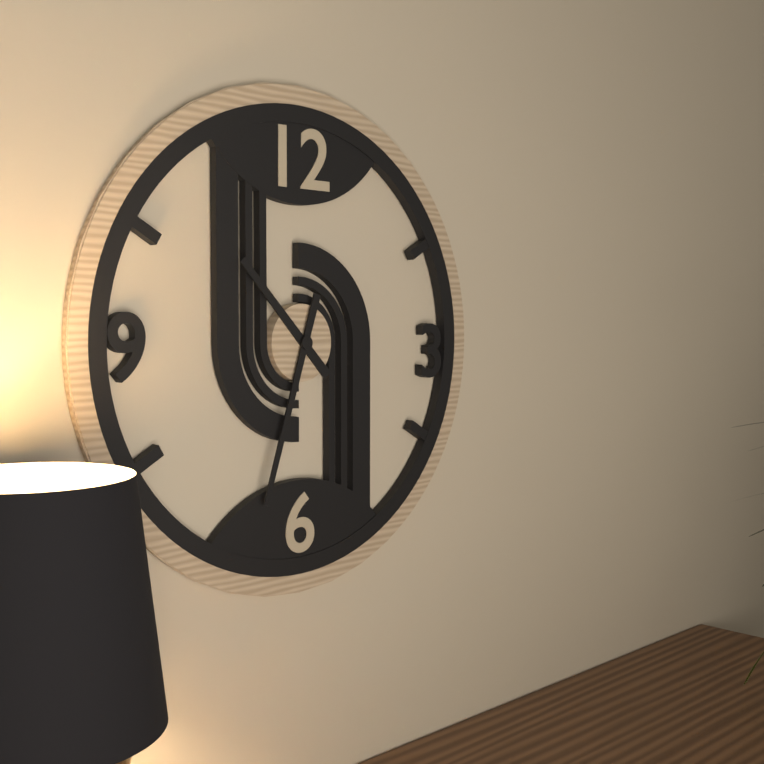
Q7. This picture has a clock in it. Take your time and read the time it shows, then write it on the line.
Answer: 10:33
